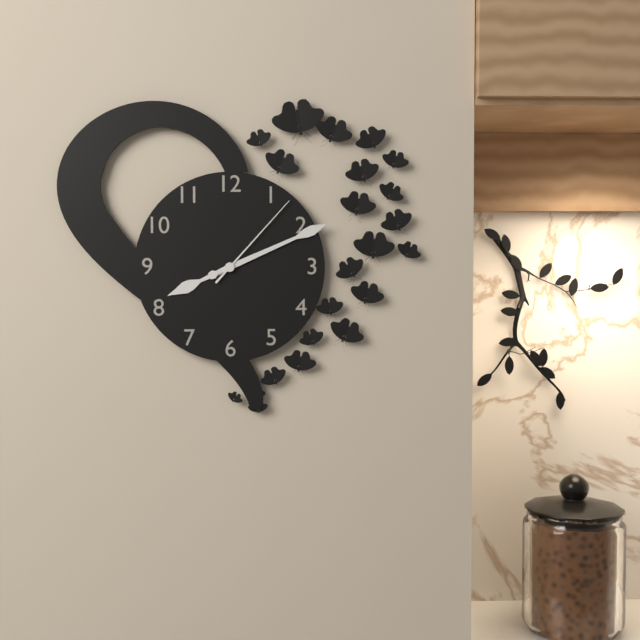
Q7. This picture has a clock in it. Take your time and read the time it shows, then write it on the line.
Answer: 8:11:07
